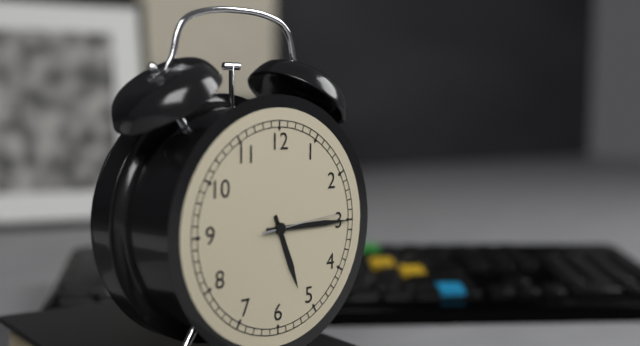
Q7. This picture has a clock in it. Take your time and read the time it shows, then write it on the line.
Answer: 5:15:14
